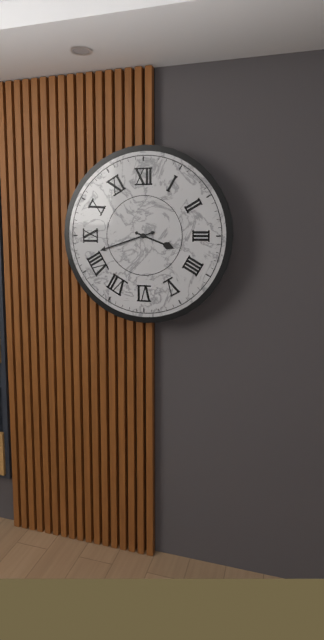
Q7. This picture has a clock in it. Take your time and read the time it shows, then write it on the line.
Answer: 3:42
